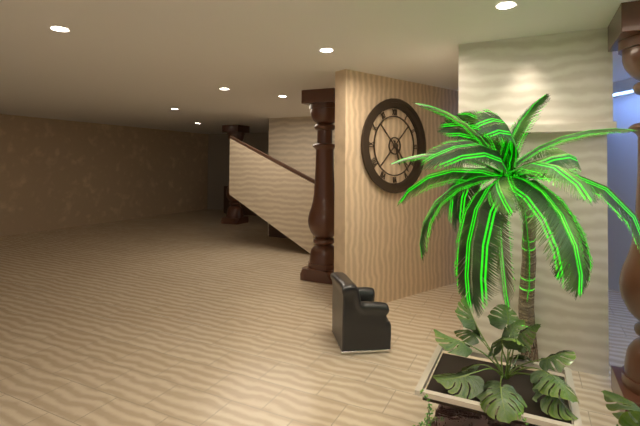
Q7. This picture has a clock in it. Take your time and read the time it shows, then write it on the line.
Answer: 5:24
